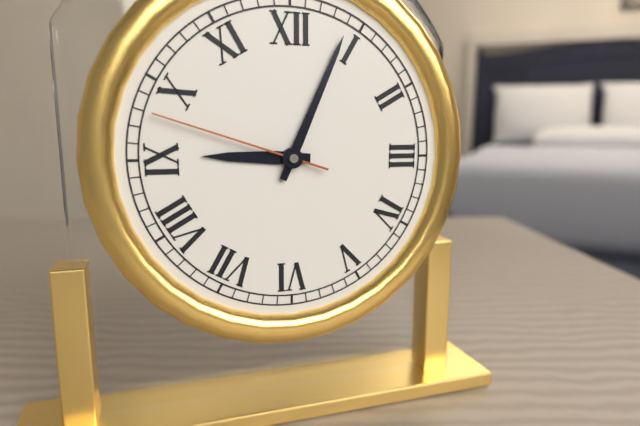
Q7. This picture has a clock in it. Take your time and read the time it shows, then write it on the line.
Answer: 9:04:48
